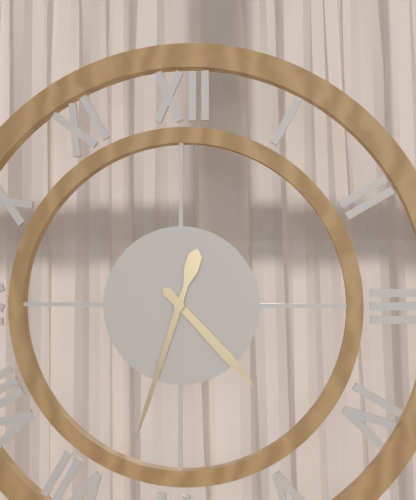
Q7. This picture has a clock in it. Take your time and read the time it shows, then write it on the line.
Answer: 4:33
